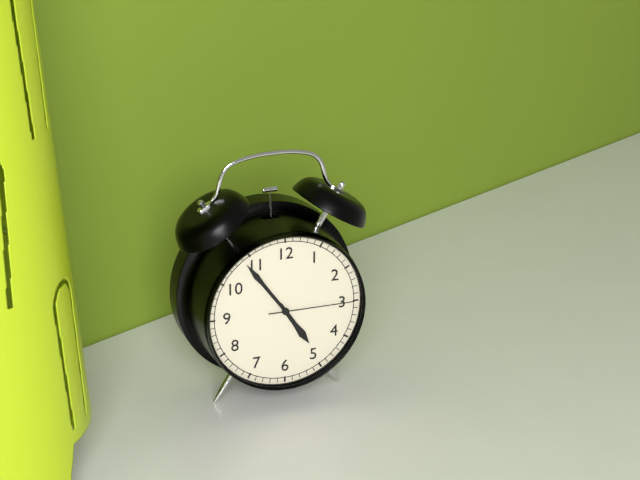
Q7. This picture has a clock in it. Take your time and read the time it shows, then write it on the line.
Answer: 4:54:15
